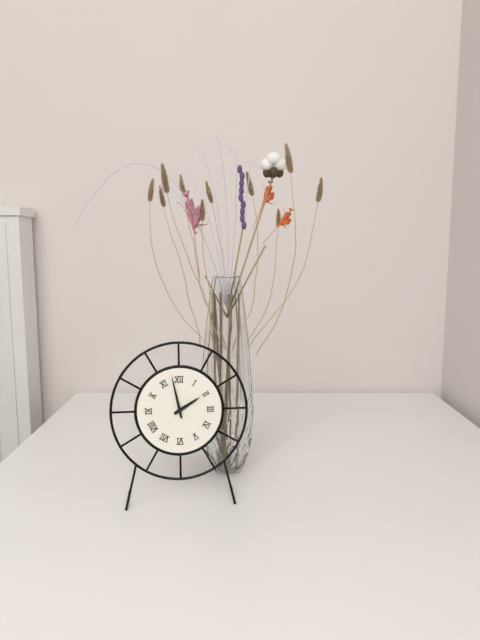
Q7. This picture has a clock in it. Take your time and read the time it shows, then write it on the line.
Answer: 1:58
